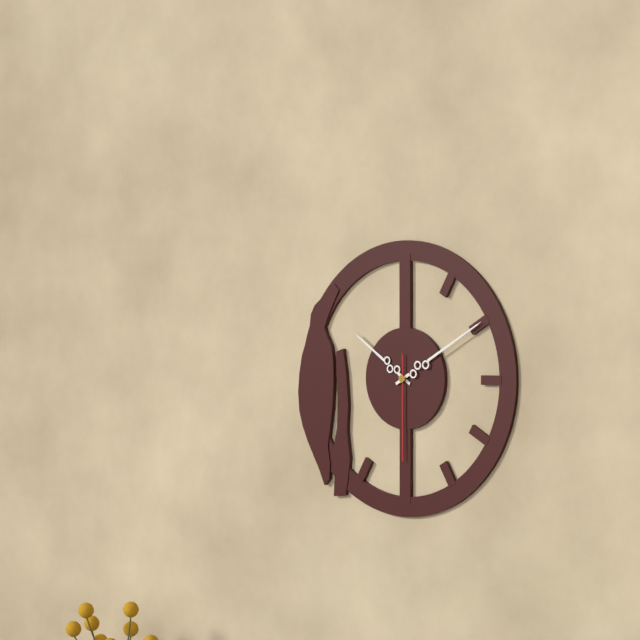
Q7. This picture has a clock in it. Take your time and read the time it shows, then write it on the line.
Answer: 10:10:30
